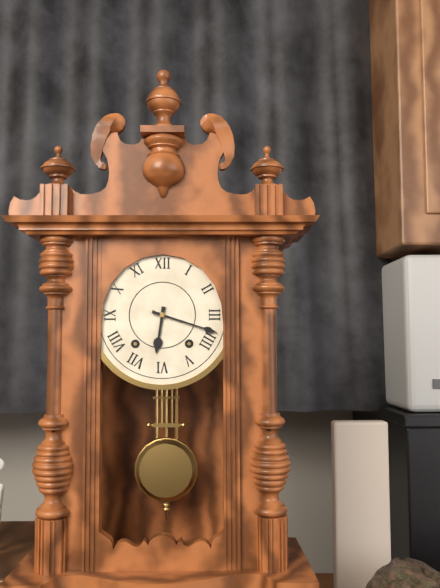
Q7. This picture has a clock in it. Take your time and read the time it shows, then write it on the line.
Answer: 6:18
